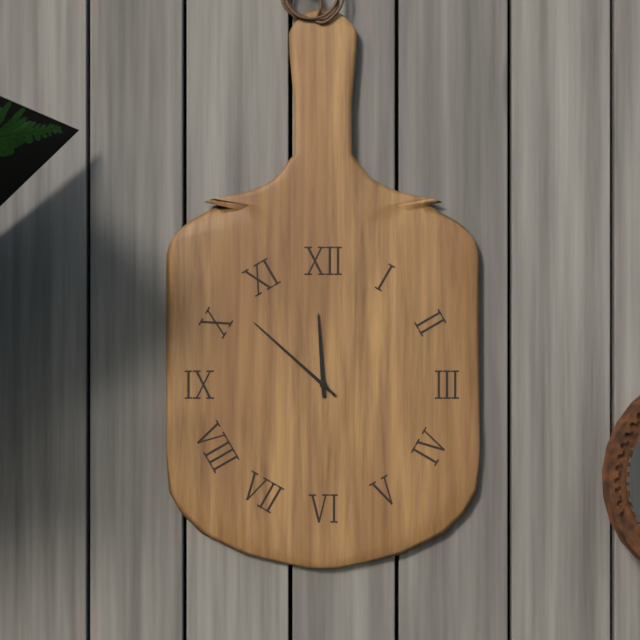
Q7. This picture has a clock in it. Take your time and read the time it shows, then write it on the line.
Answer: 11:52
